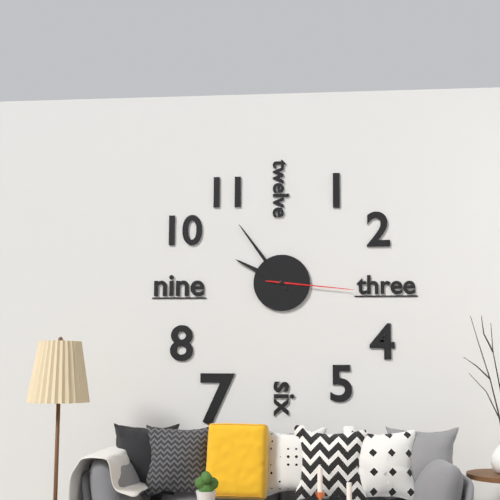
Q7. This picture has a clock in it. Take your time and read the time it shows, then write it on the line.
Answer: 9:54:16
